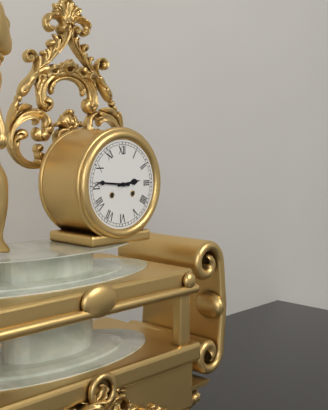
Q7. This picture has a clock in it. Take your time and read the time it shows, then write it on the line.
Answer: 2:46
